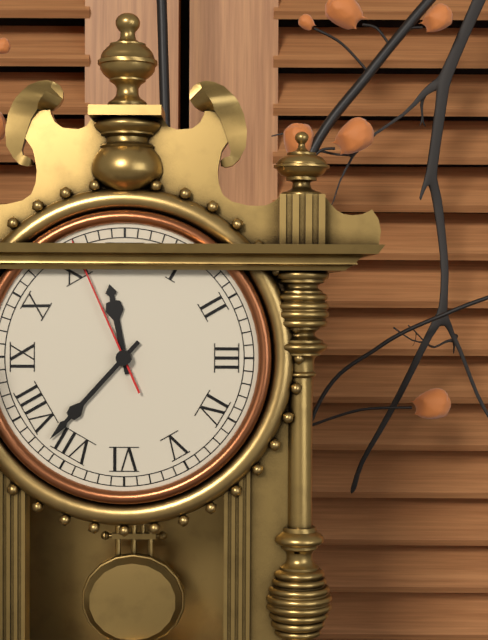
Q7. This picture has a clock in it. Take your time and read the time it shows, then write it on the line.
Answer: 11:37:56
